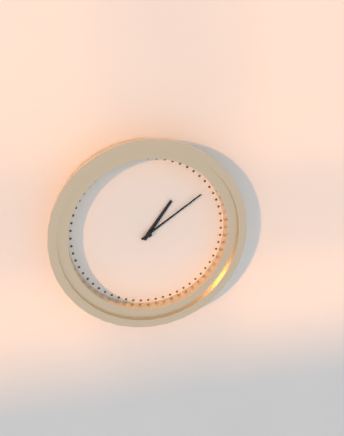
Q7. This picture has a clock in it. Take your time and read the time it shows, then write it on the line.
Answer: 1:09
